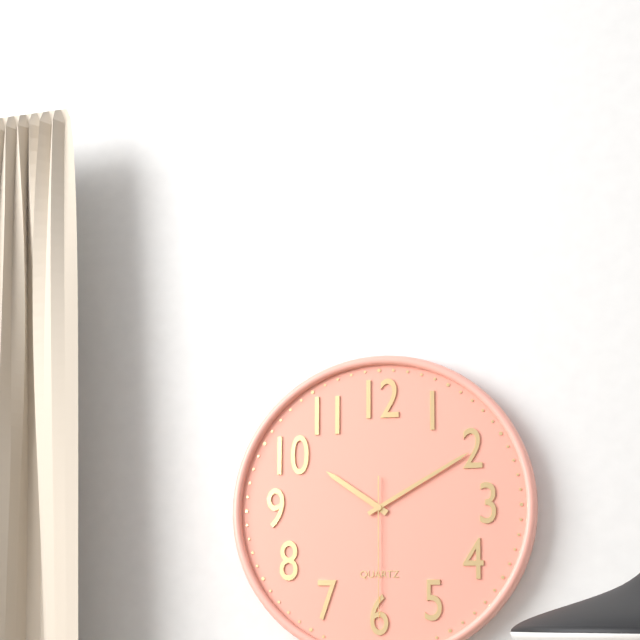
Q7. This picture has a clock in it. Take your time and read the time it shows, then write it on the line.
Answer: 10:10:30
